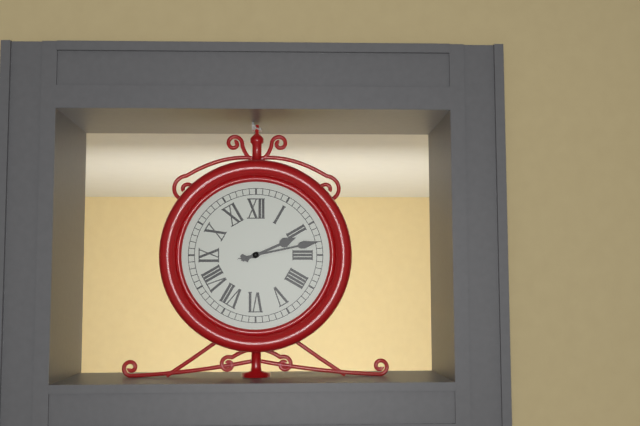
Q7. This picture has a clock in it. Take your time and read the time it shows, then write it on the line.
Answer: 2:13
